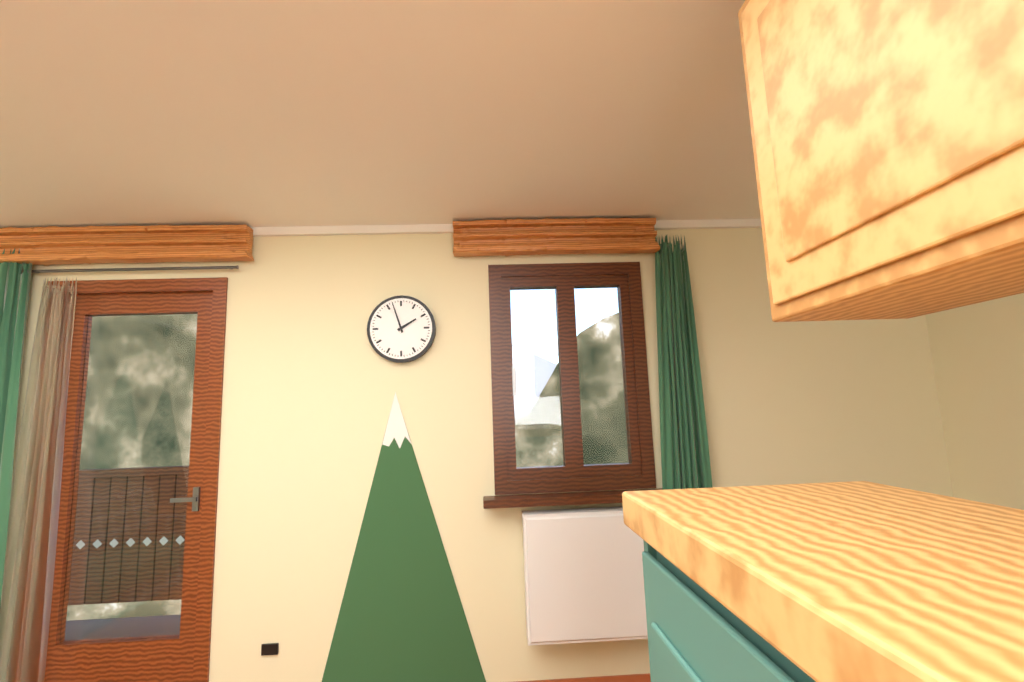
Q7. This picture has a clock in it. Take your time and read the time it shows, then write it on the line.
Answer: 1:57
